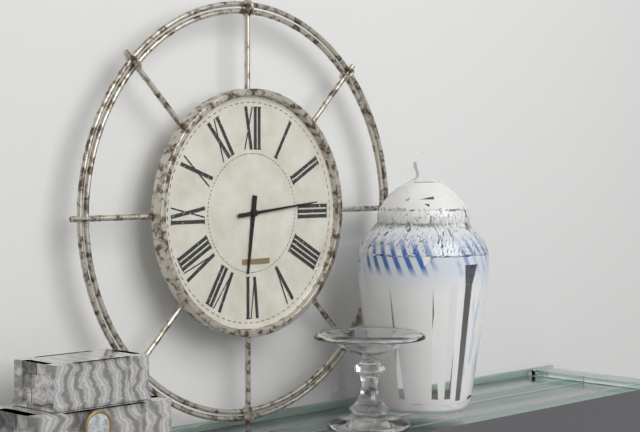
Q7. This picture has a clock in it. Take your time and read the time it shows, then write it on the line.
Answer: 6:14
